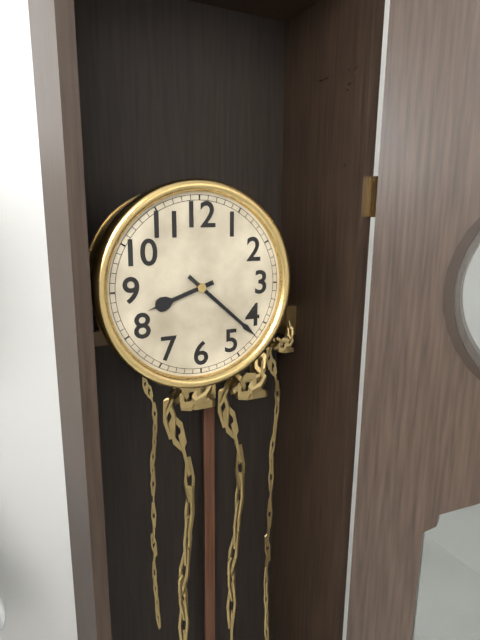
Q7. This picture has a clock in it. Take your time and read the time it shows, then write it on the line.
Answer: 8:22
